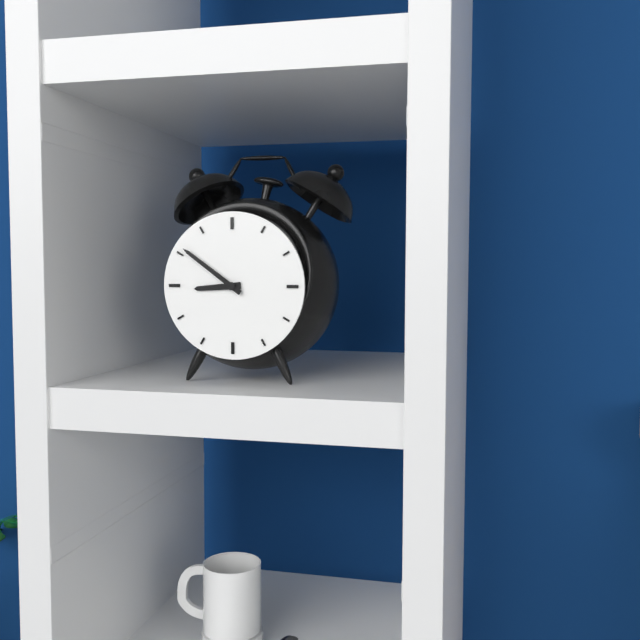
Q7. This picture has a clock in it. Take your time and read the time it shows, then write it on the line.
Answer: 8:51
